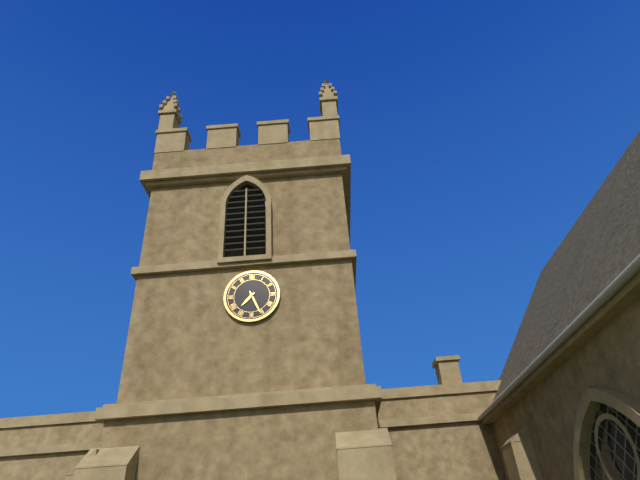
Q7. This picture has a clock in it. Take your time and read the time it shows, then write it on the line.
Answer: 7:26
